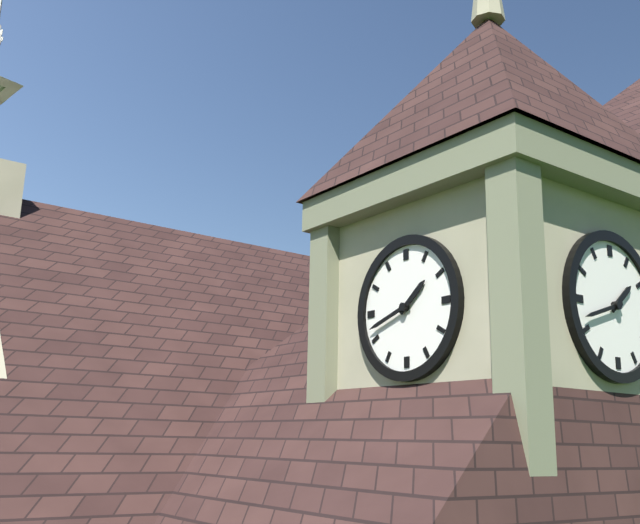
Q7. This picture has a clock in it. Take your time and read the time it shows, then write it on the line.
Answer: 1:42
